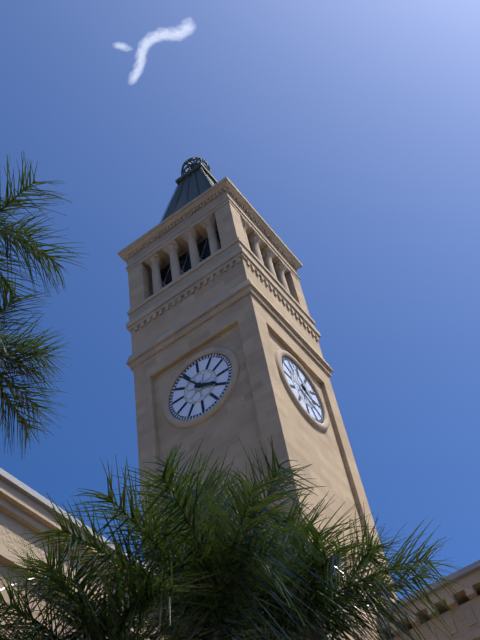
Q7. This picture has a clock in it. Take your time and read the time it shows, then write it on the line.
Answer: 3:54
